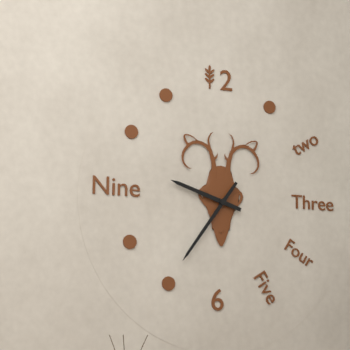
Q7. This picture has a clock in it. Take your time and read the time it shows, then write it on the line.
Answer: 9:36
